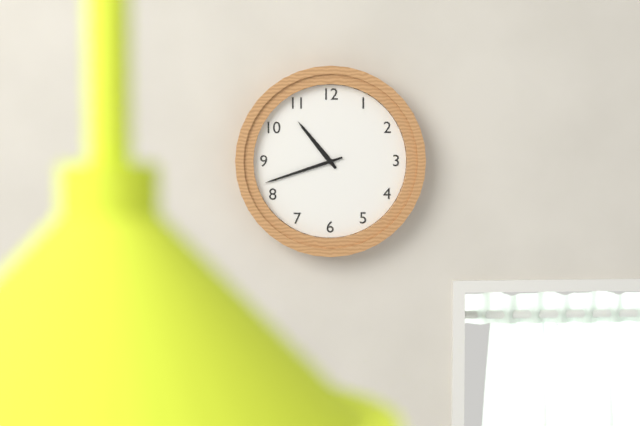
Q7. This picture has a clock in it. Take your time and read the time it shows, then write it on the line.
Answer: 10:42
